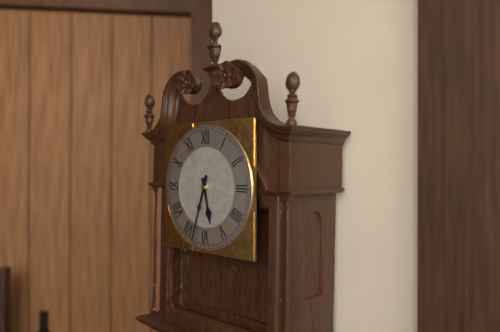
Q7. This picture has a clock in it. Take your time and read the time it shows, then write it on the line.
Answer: 5:33
